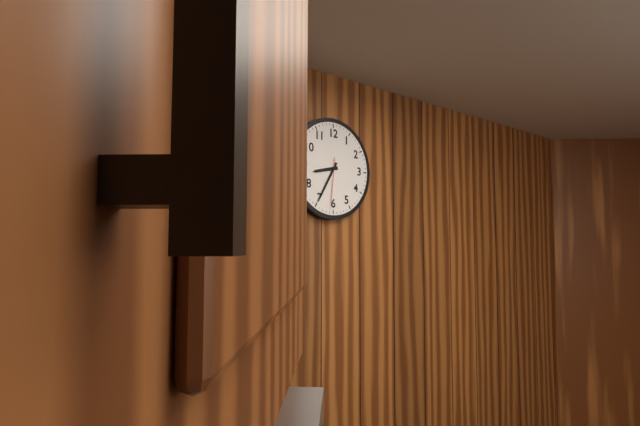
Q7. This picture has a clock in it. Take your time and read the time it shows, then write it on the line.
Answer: 8:35:31
